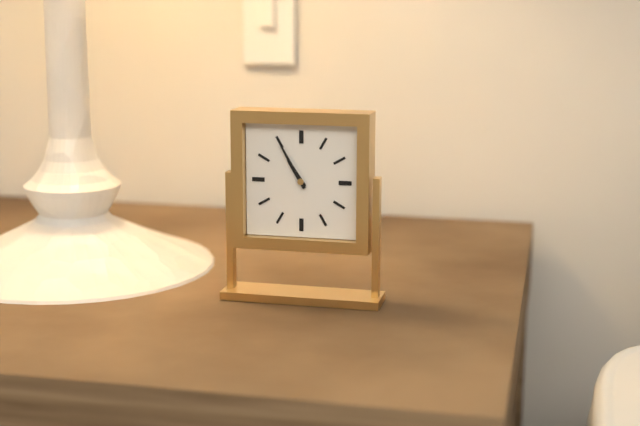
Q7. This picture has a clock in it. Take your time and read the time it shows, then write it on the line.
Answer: 10:55
